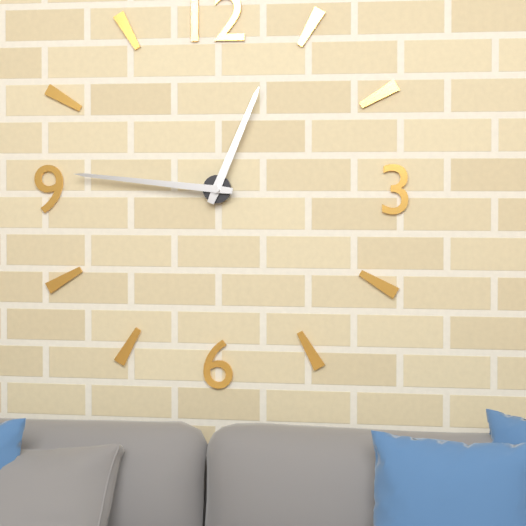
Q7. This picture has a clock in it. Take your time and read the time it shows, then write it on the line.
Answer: 12:46
